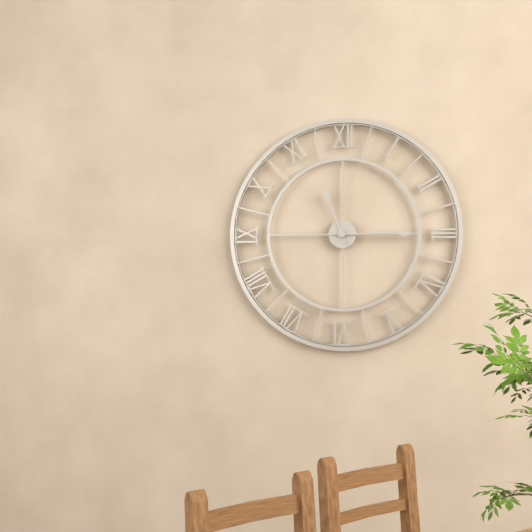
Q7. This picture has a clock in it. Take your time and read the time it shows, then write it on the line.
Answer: 11:15
